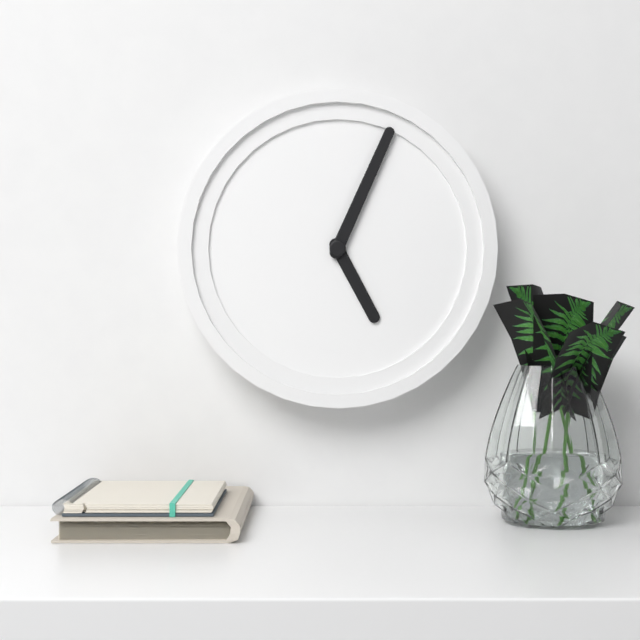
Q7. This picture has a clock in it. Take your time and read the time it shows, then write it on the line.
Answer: 5:04
